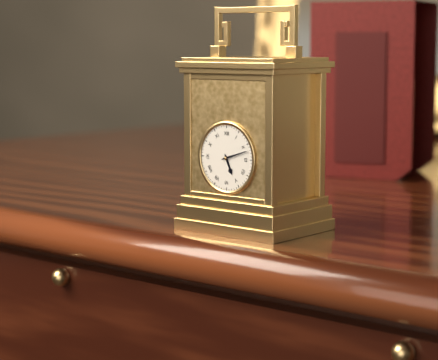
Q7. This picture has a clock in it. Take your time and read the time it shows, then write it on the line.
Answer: 5:12
